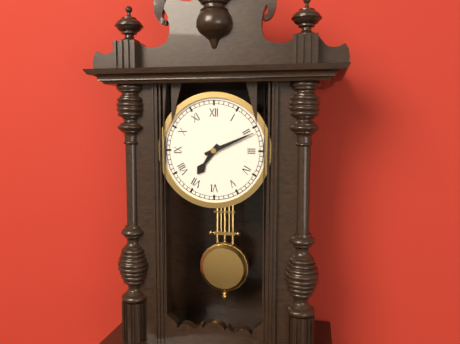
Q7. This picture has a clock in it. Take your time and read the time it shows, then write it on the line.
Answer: 7:11
